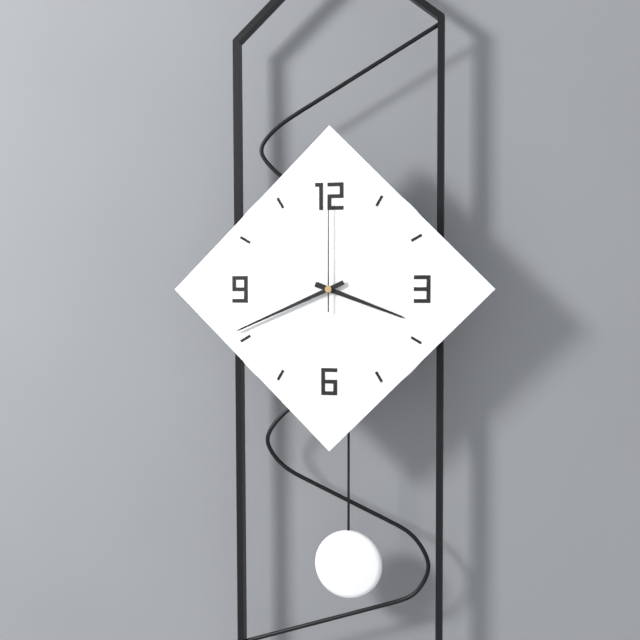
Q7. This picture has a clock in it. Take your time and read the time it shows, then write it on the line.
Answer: 3:41:00
